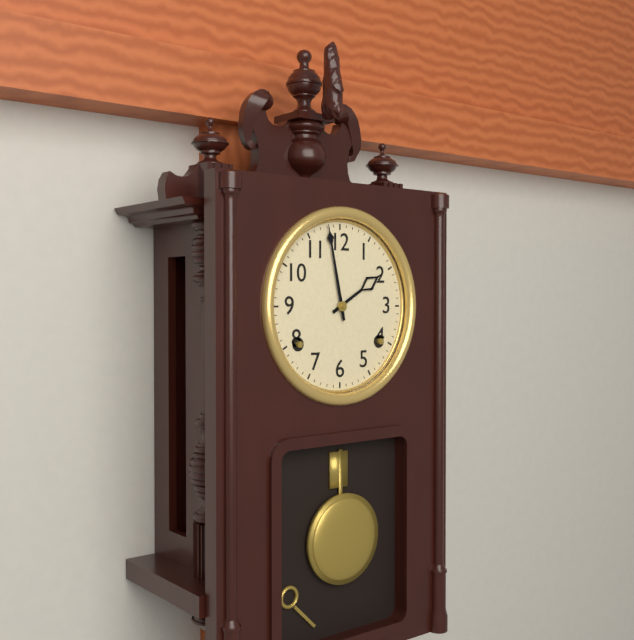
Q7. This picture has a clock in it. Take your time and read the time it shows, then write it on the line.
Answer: 1:58
